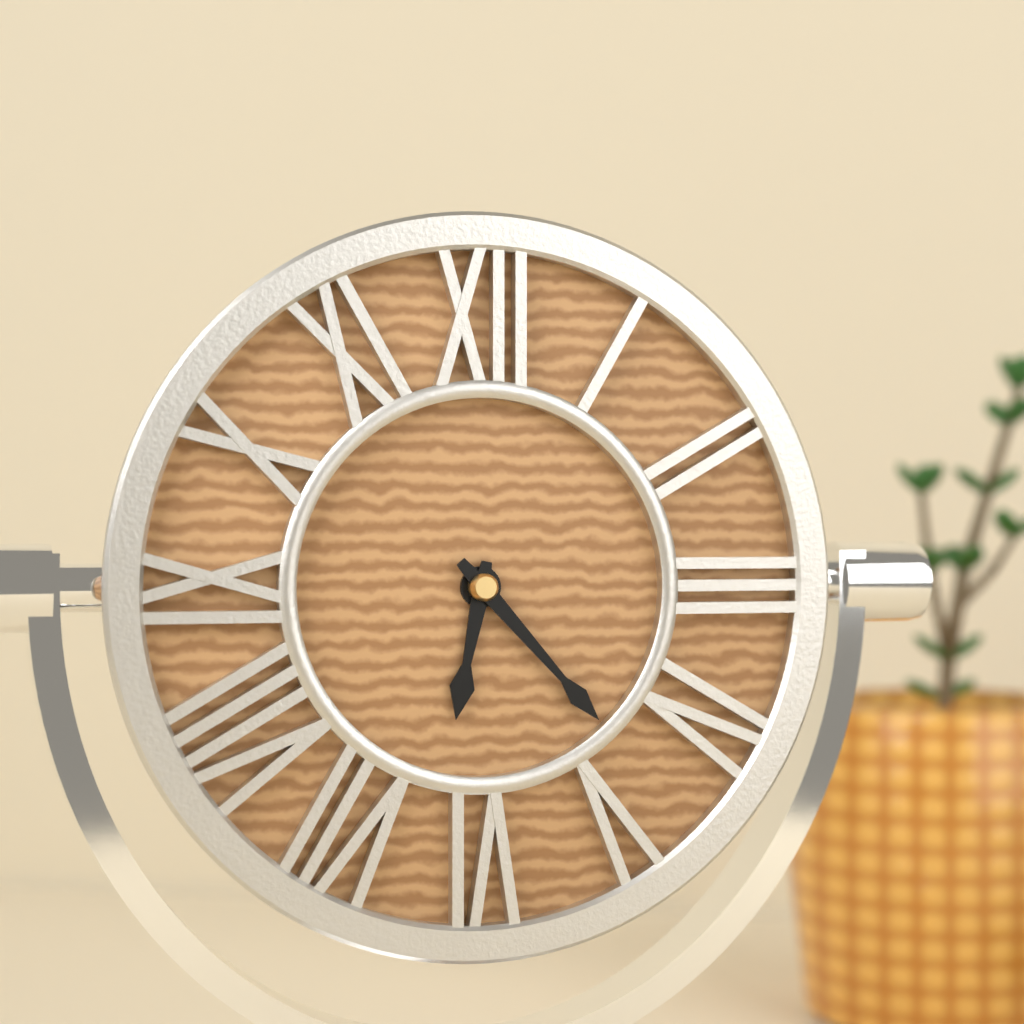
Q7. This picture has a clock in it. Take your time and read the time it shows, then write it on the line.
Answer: 6:23
